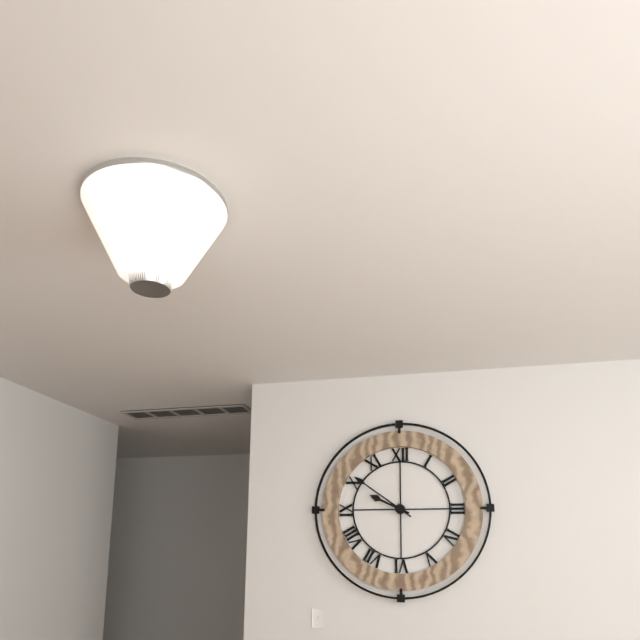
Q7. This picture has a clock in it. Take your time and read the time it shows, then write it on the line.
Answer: 9:51
